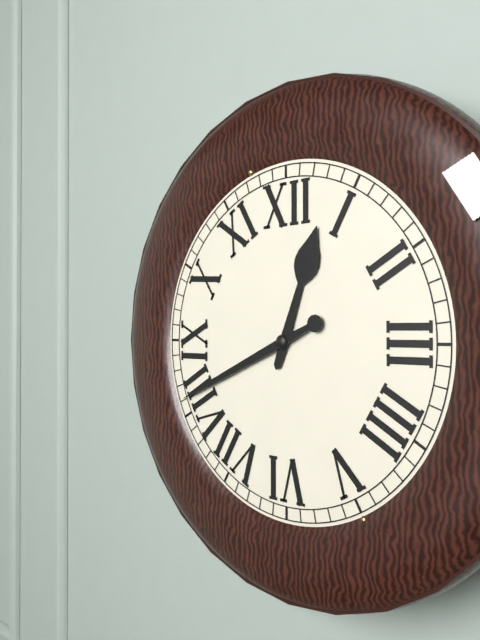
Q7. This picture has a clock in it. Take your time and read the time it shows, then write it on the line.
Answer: 12:41
